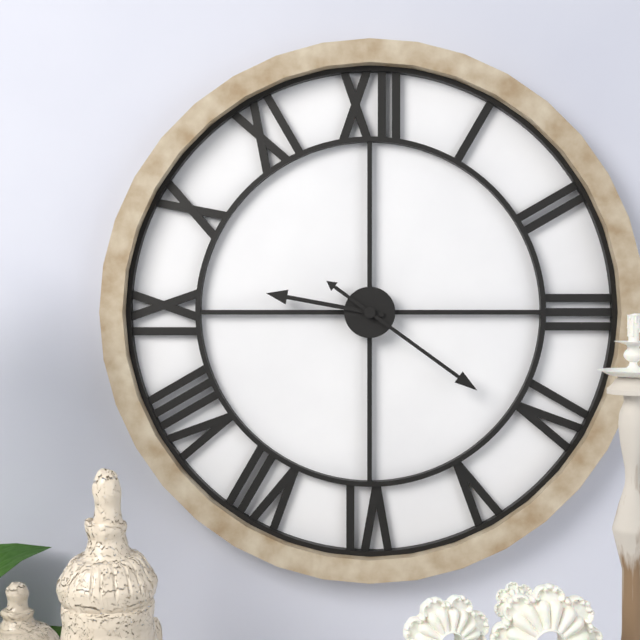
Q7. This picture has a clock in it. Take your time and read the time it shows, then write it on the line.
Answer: 9:21
